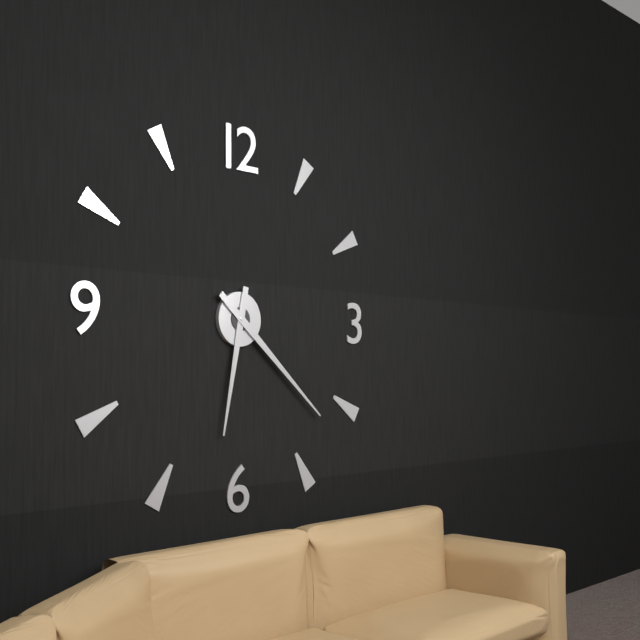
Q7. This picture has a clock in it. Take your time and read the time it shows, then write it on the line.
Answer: 6:22
